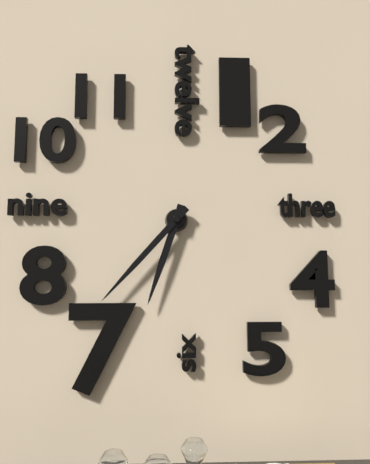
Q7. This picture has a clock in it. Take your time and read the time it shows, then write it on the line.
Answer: 6:37
